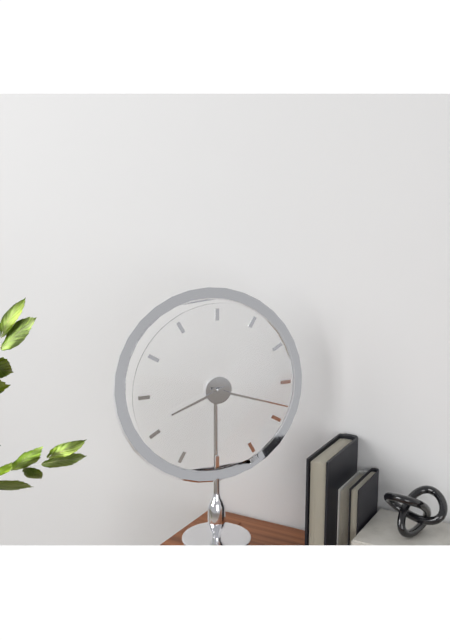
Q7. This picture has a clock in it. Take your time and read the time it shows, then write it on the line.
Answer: 8:18
